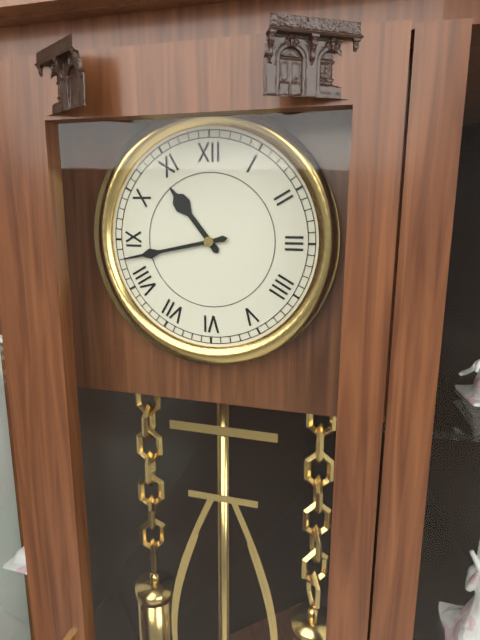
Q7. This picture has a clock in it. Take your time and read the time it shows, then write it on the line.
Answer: 10:43
